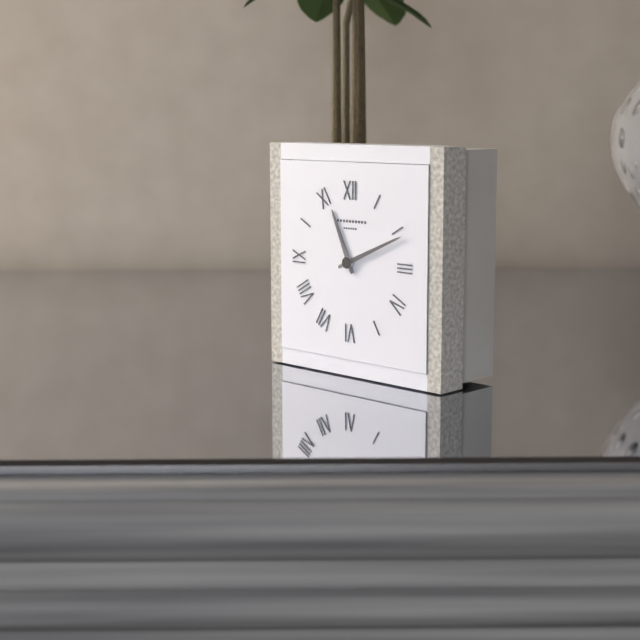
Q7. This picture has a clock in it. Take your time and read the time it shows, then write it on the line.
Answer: 11:11
